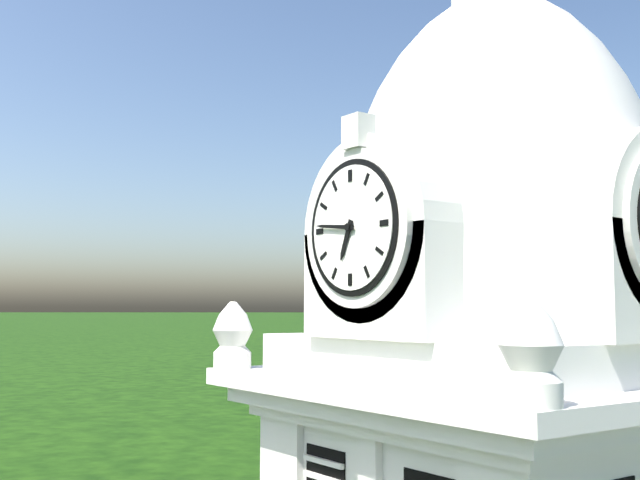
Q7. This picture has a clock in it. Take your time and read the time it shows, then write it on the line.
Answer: 6:46
